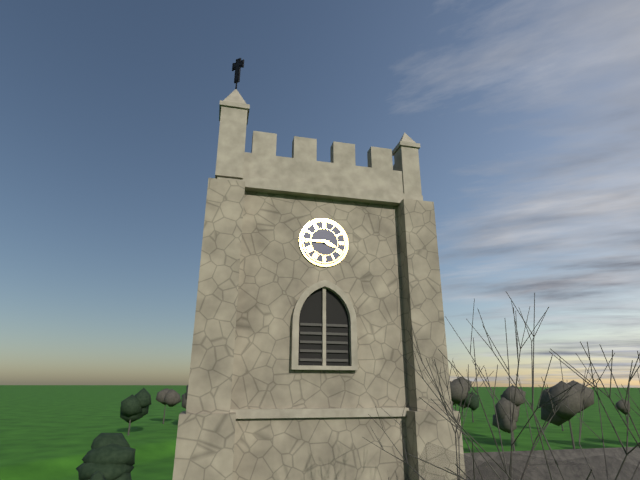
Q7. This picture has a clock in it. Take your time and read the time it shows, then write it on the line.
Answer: 3:45
